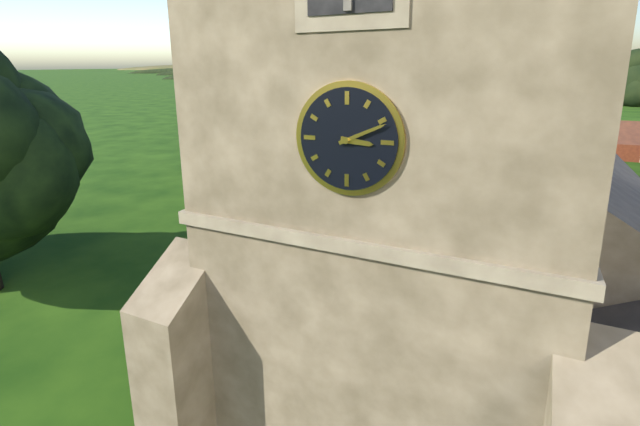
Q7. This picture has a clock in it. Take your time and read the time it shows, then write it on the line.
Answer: 3:11
